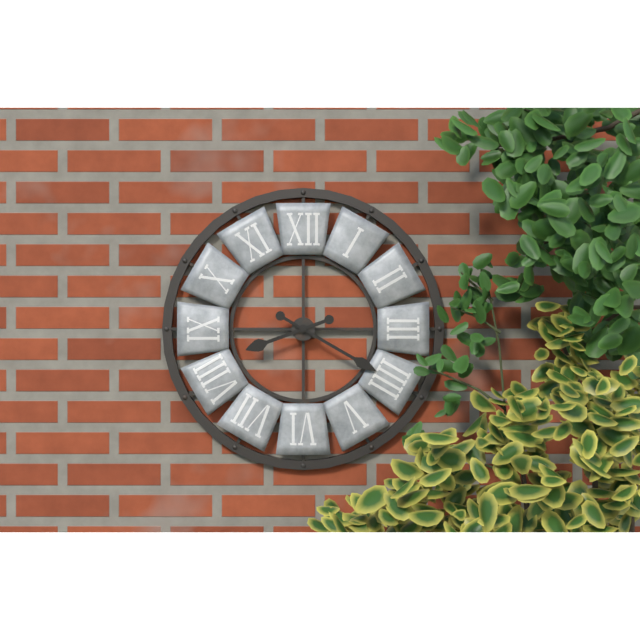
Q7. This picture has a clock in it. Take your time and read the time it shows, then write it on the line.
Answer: 8:20
